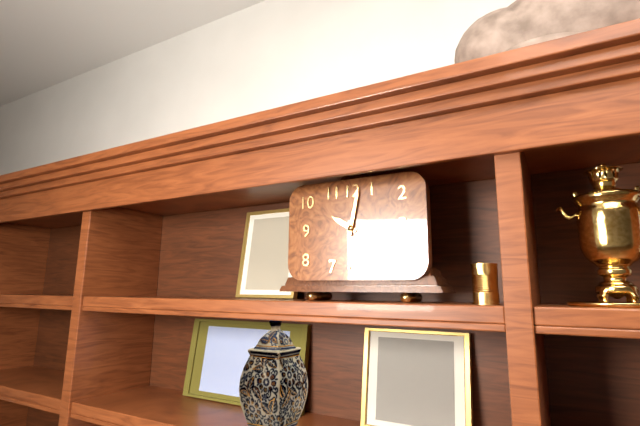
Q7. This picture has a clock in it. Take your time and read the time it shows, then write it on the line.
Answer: 10:02
